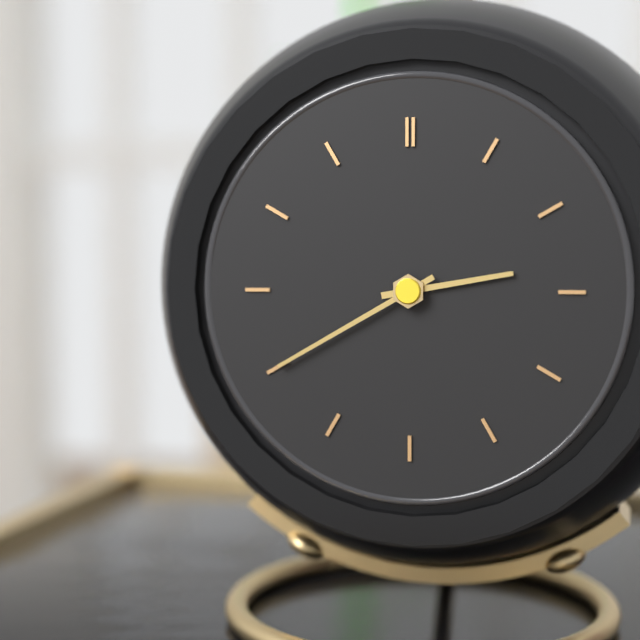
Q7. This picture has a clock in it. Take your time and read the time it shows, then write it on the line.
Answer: 2:40
